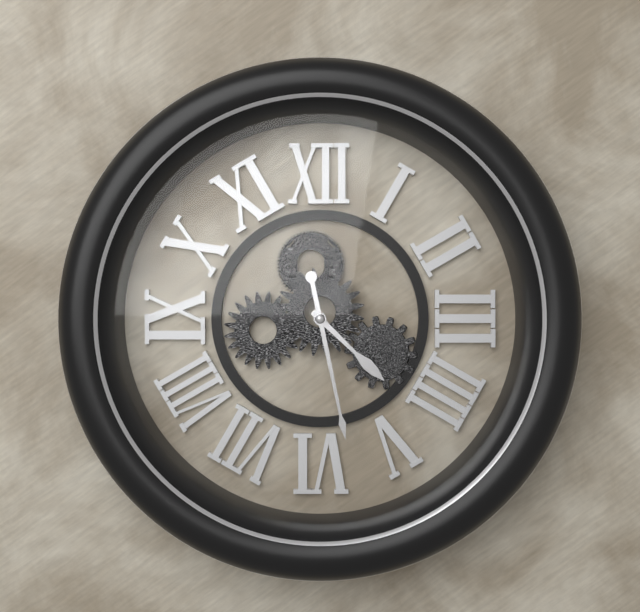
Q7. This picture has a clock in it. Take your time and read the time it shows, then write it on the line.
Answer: 4:28
